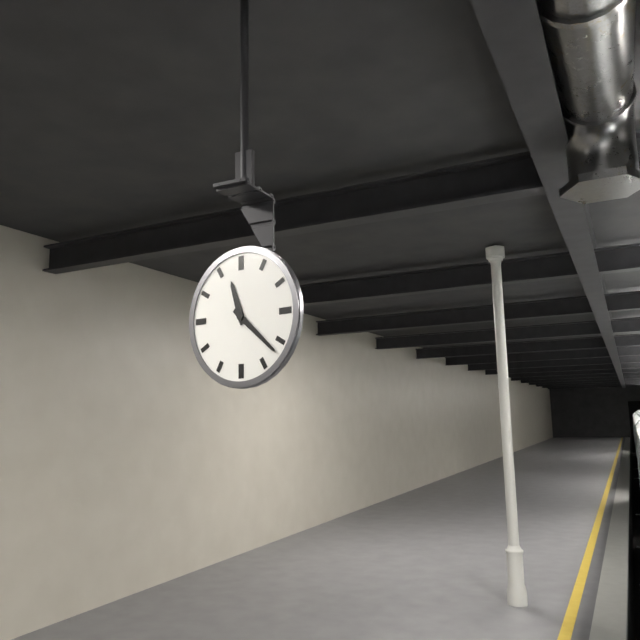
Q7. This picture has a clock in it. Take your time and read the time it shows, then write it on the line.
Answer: 11:22
